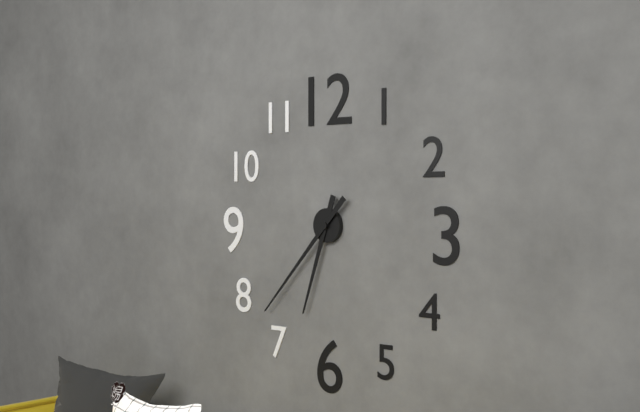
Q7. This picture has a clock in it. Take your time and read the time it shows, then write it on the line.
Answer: 6:37
